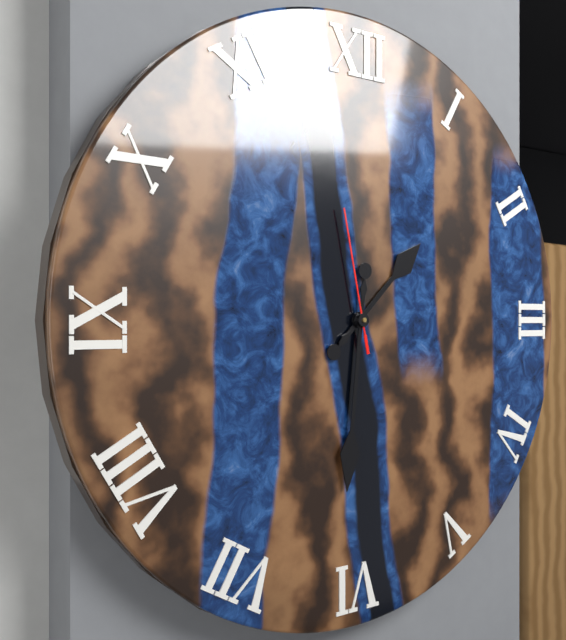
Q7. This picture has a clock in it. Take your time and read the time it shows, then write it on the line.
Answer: 1:31:58
